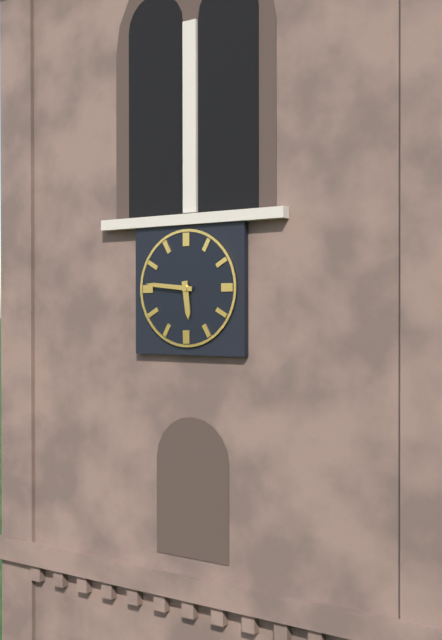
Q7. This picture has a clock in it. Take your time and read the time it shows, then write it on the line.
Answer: 5:46
